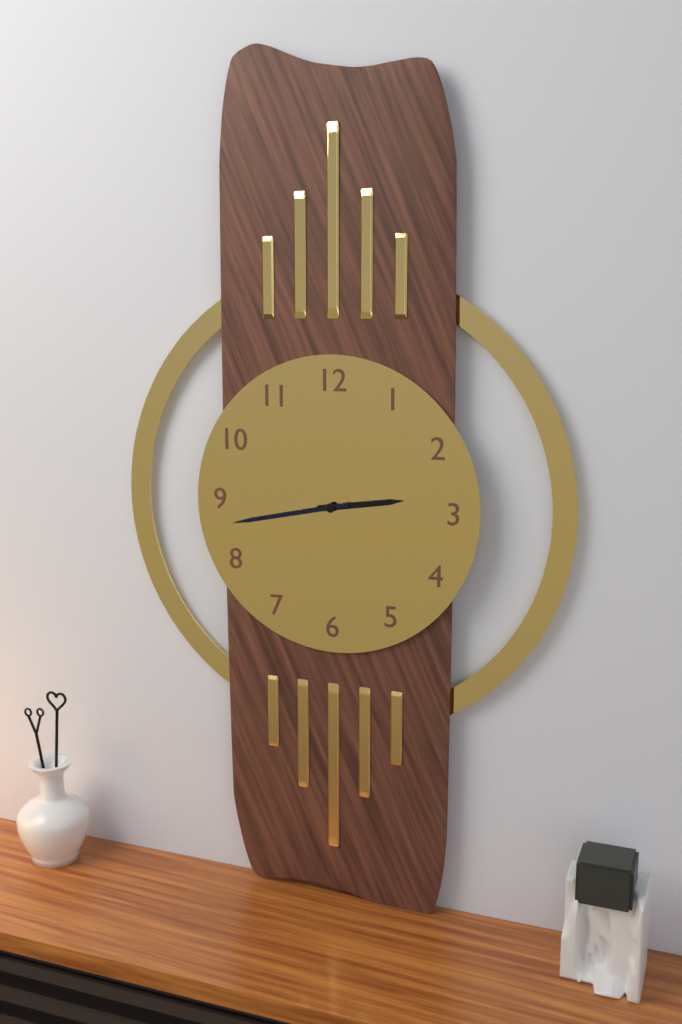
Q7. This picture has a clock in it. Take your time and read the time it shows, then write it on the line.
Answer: 2:43
